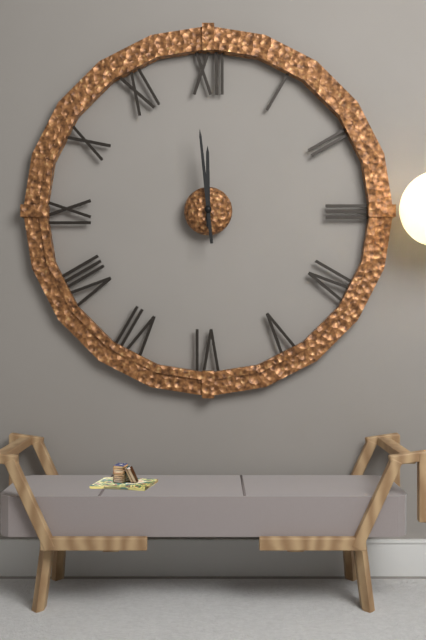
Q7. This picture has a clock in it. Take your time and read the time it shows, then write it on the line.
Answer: 11:59
